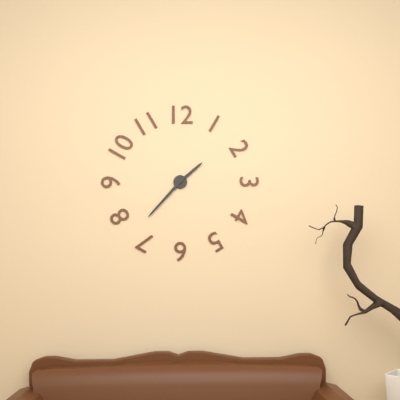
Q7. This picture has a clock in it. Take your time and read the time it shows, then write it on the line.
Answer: 1:37
